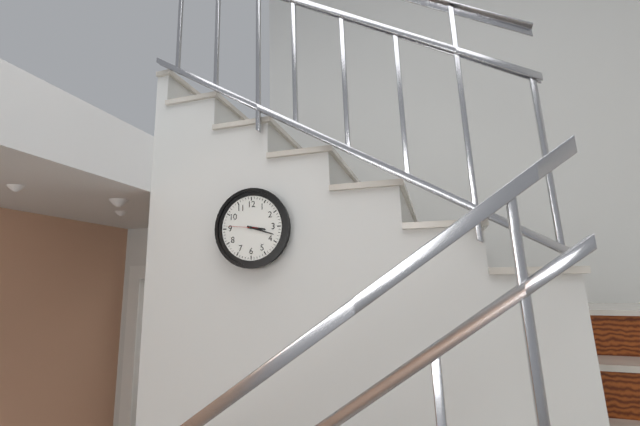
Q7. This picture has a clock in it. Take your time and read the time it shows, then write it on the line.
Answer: 3:18
